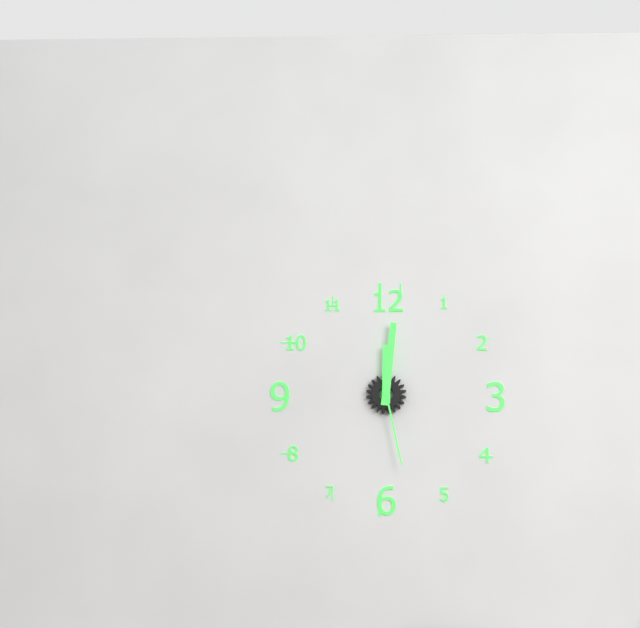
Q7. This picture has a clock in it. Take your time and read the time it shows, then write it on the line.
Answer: 12:01:28
